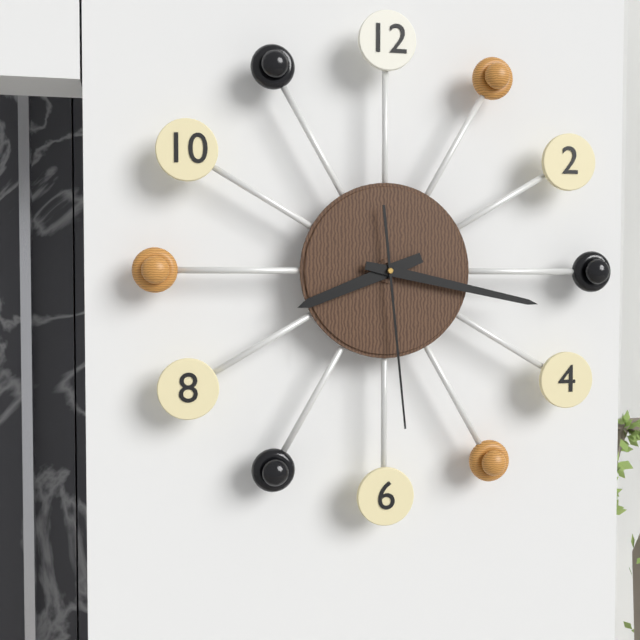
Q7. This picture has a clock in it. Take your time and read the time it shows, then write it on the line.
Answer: 8:17:29
